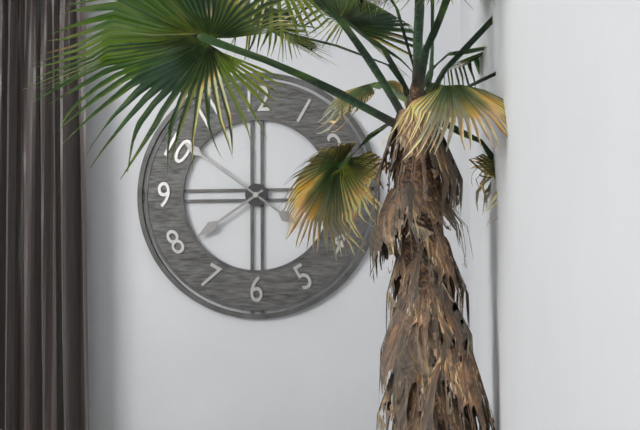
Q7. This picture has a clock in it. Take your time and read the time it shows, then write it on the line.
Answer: 7:51
